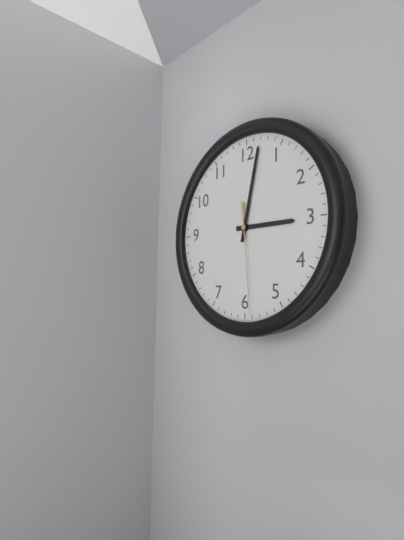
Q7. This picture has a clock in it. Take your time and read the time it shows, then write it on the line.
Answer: 3:02:29
